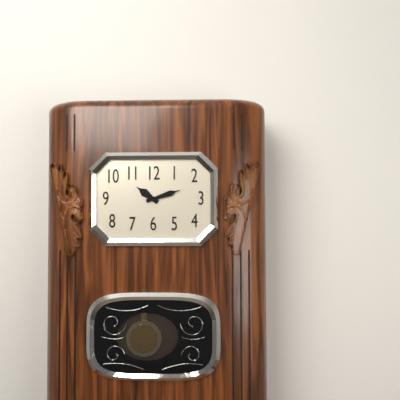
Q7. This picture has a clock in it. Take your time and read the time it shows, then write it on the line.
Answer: 10:12
